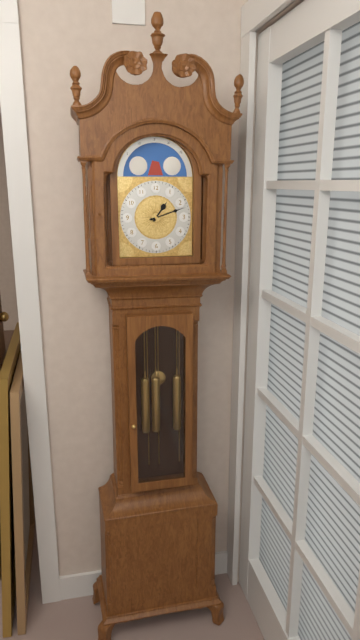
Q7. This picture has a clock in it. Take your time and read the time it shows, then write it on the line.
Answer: 1:12
